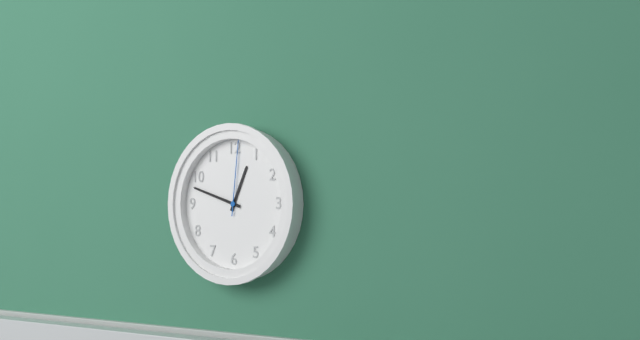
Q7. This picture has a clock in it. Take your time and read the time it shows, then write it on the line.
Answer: 12:48:01
